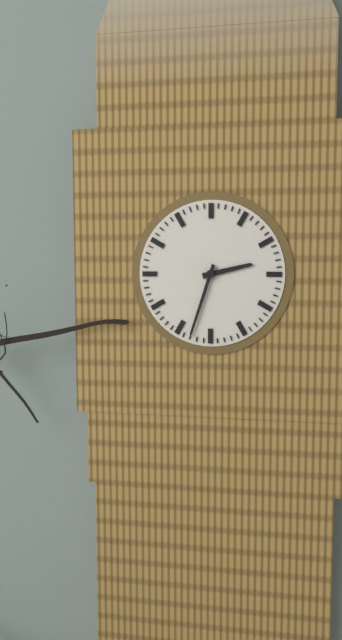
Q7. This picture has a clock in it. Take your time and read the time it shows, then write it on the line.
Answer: 2:33
